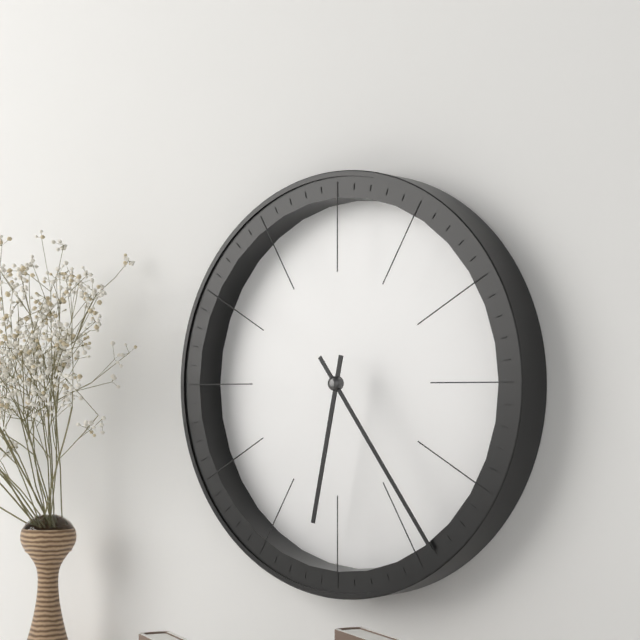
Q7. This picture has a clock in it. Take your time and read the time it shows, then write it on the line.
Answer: 6:24
